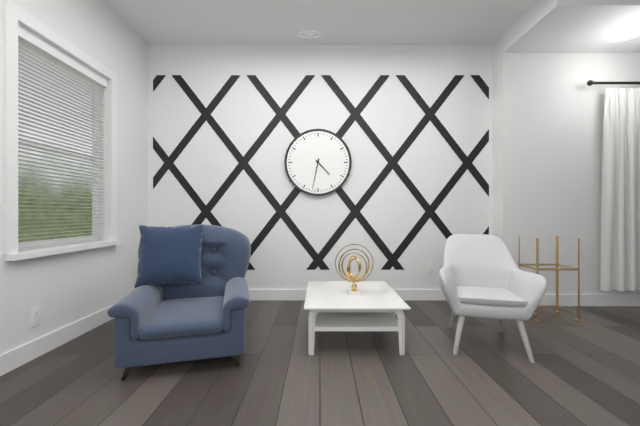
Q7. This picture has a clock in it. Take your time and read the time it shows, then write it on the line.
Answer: 4:32
